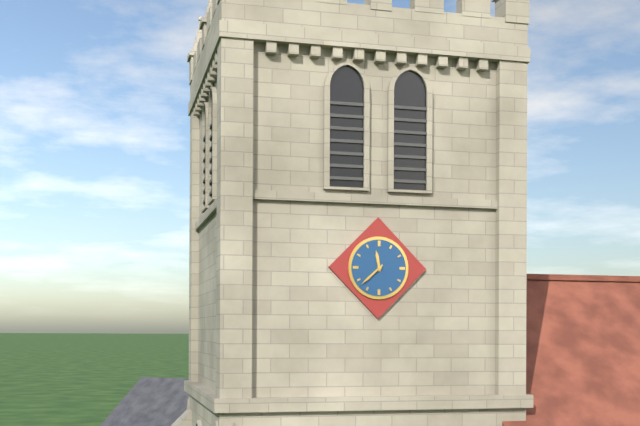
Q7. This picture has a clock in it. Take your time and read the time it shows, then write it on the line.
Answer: 11:38
